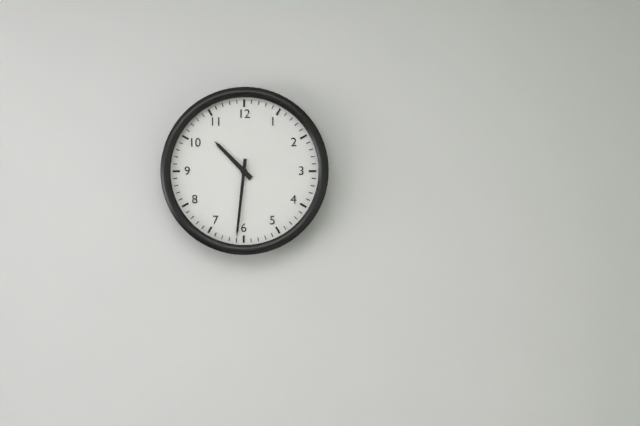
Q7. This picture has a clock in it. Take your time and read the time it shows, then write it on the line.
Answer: 10:31
